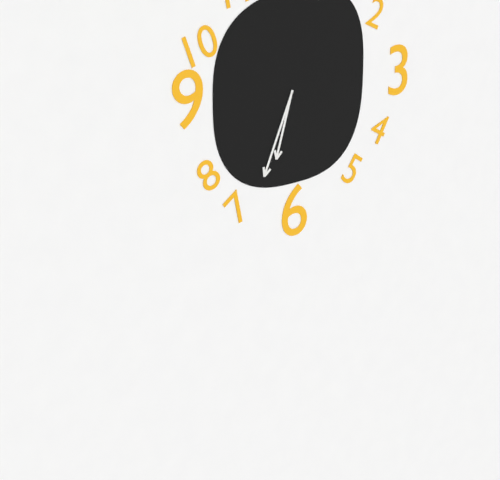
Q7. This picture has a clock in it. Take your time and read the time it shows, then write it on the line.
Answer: 6:34
